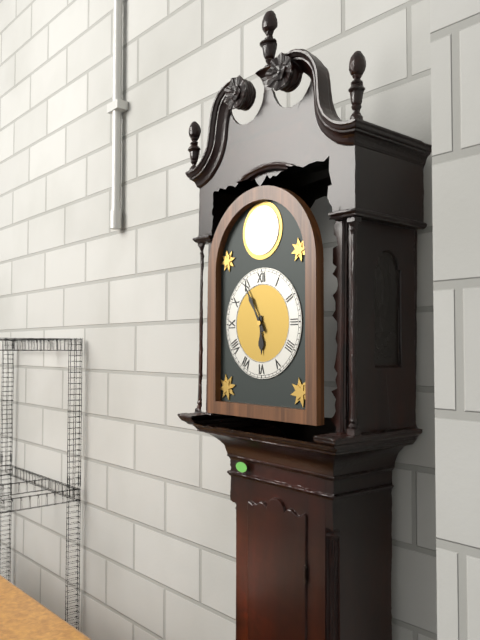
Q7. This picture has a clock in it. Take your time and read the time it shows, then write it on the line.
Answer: 5:55
